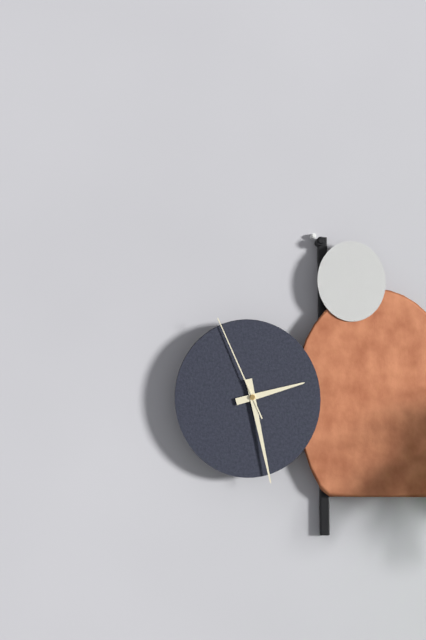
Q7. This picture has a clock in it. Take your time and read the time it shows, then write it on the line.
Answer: 2:28:56
